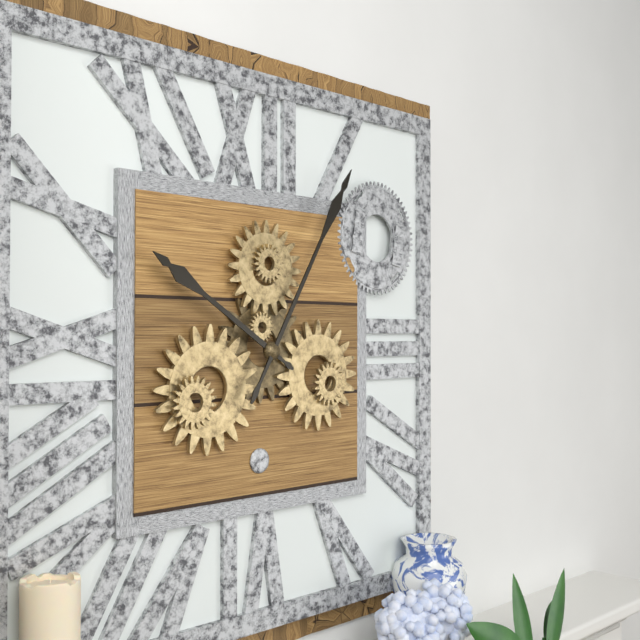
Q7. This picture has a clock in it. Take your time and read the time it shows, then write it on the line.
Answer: 10:05
